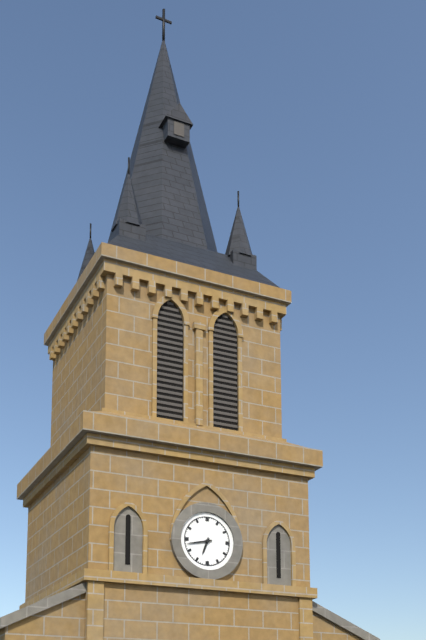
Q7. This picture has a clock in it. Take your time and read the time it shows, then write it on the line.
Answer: 6:43
